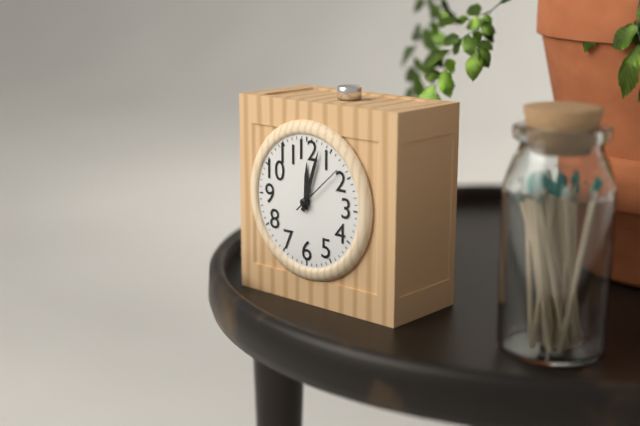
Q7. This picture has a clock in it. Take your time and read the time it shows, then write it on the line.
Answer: 12:03:08
